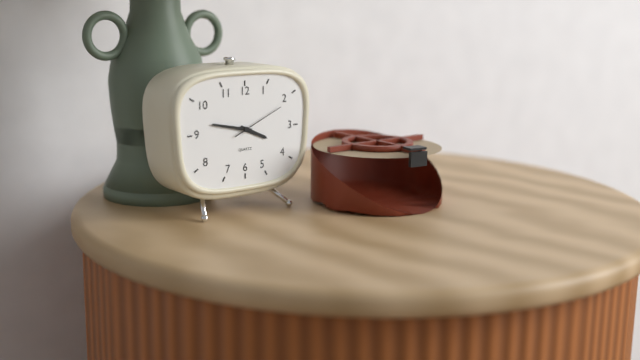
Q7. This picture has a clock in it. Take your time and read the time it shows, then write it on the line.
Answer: 3:47:11
